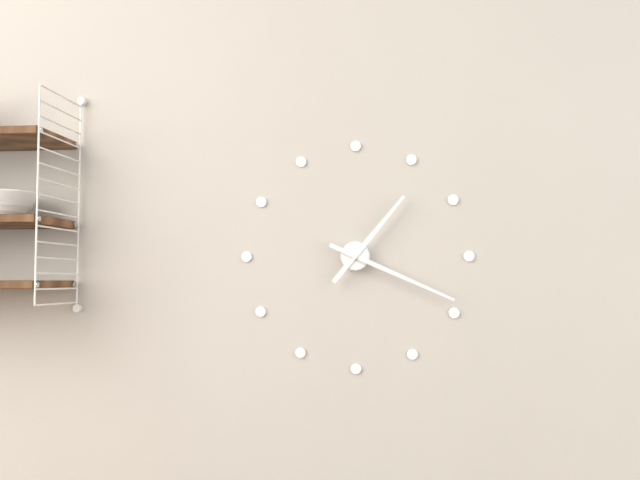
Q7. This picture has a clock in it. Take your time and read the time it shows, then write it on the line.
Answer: 1:19
